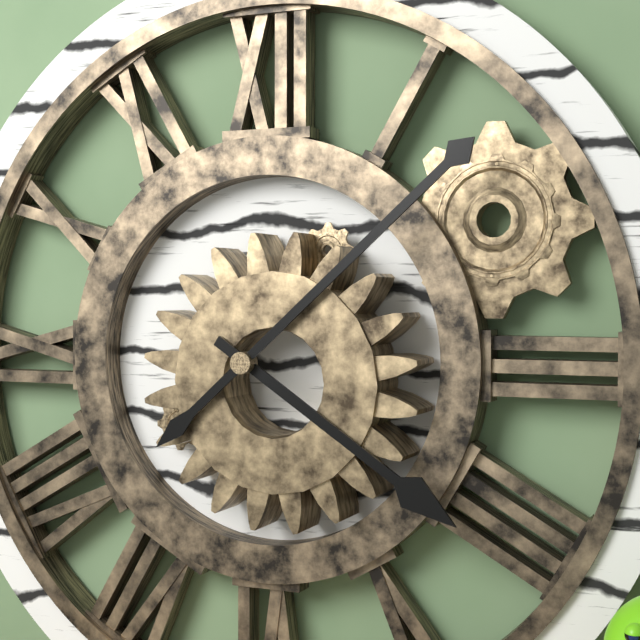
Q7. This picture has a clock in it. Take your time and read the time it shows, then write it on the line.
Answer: 4:08
